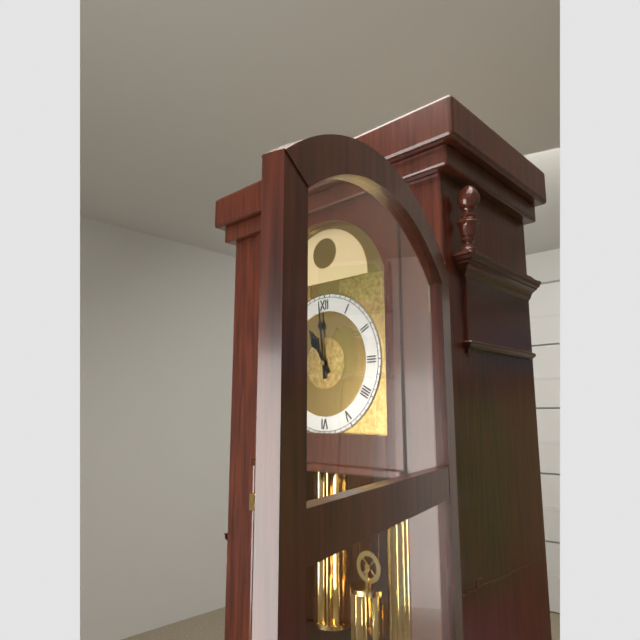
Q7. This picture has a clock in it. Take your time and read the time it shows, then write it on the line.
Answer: 10:59
